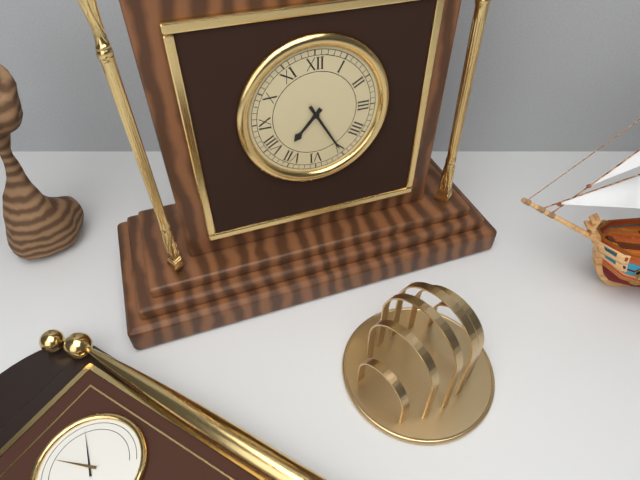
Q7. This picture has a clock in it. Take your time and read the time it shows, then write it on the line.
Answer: 7:25
